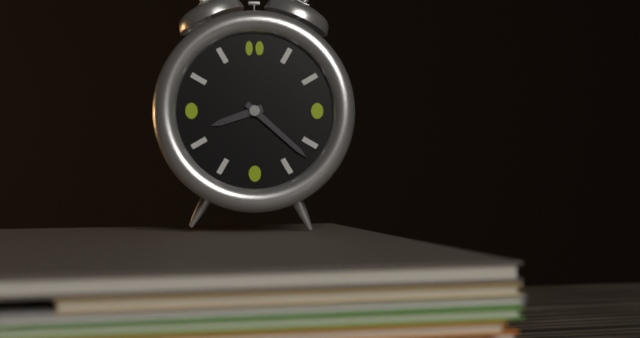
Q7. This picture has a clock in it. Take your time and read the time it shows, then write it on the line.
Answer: 8:22
